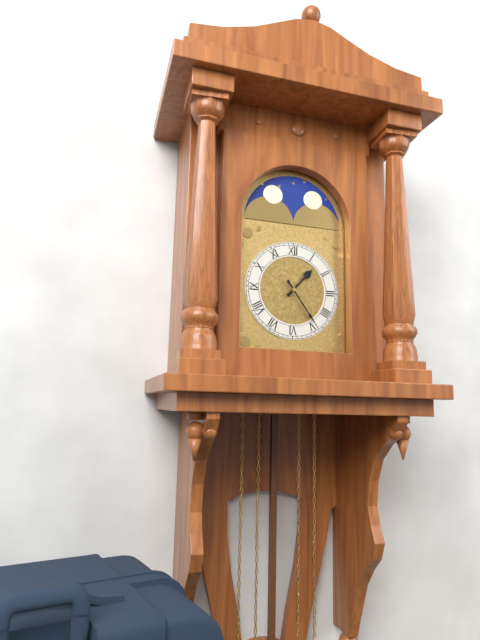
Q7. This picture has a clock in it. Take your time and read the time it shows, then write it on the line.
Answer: 1:24
